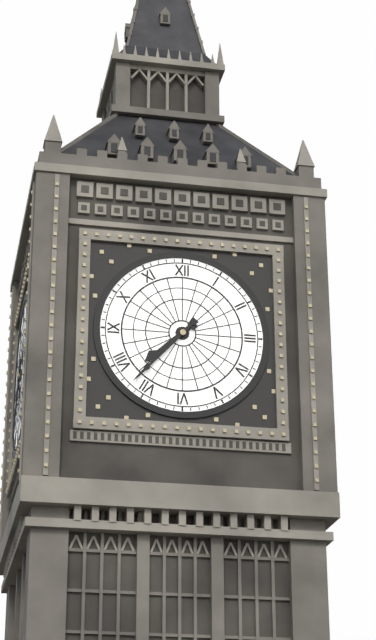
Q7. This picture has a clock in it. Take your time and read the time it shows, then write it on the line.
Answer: 7:37
